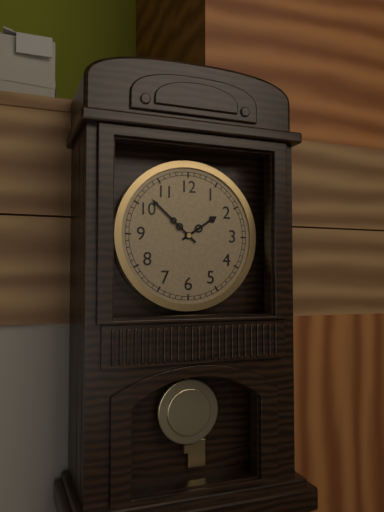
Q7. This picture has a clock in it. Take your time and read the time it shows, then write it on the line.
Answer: 1:52
